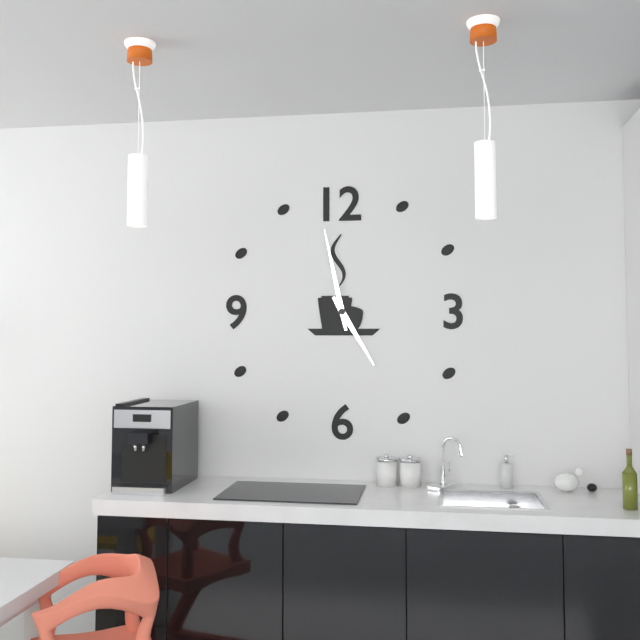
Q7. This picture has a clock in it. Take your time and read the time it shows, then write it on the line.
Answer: 4:58
